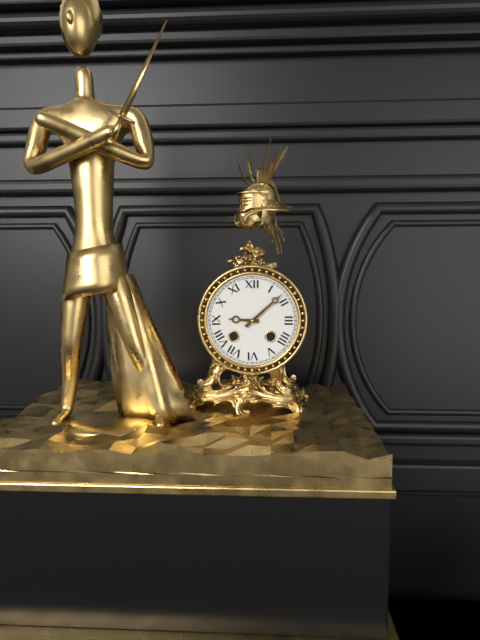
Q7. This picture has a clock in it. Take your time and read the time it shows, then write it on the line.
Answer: 9:08
